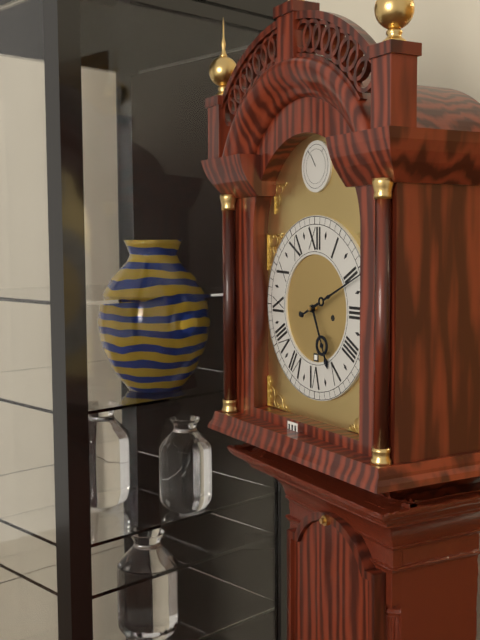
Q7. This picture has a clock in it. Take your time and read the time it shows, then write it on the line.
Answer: 5:11
